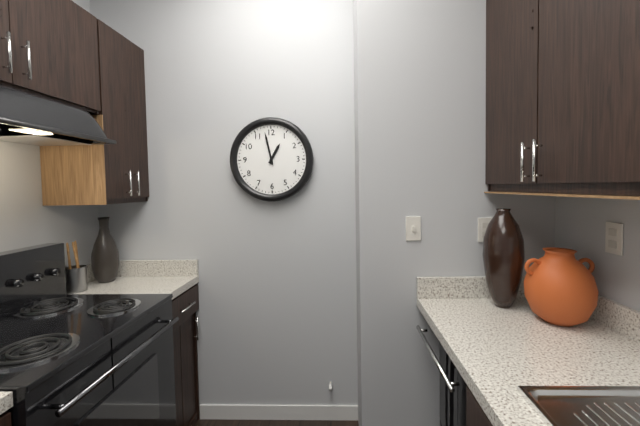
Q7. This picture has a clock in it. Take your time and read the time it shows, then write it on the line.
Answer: 12:58
